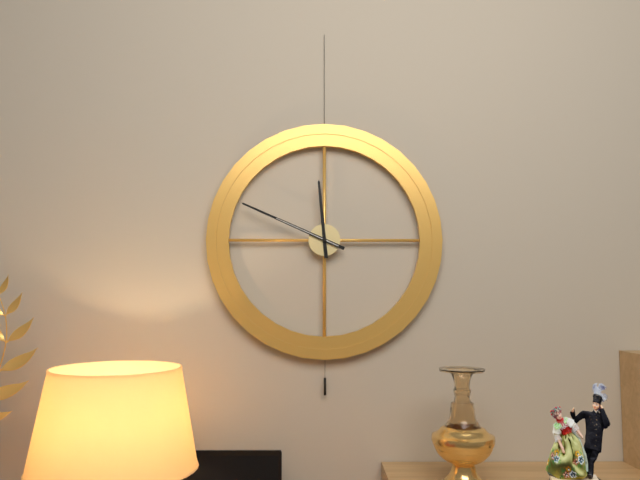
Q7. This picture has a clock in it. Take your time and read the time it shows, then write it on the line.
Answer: 11:49:49
